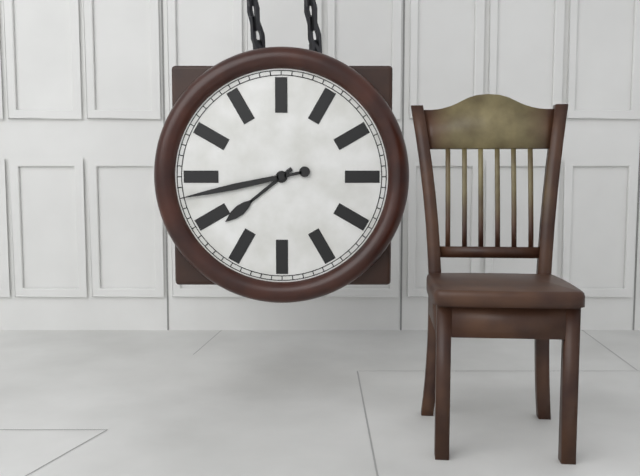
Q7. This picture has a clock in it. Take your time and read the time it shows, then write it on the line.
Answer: 7:43
